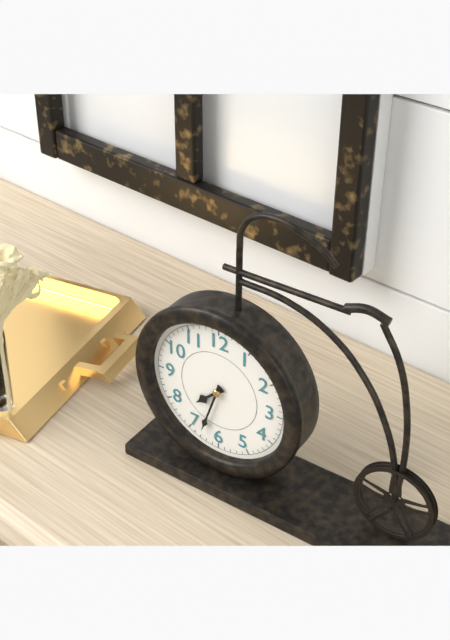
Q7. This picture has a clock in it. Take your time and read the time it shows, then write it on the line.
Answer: 7:33
